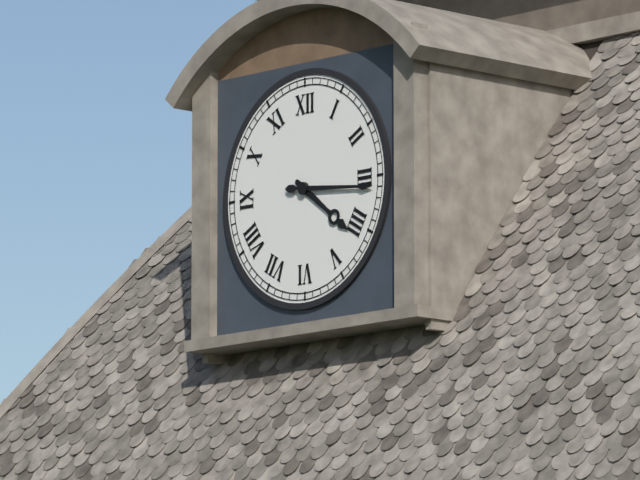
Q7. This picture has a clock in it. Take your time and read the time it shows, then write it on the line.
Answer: 4:16
